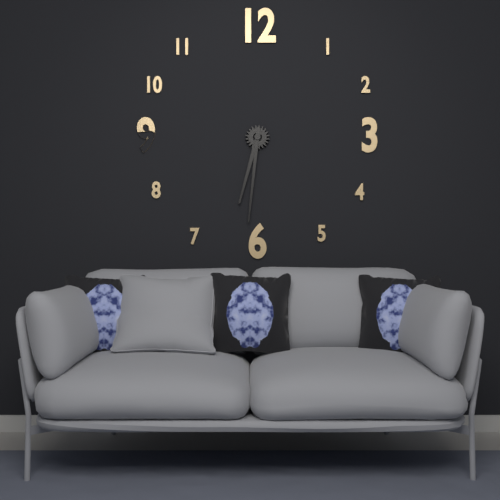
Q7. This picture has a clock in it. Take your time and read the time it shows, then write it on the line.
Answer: 6:31
